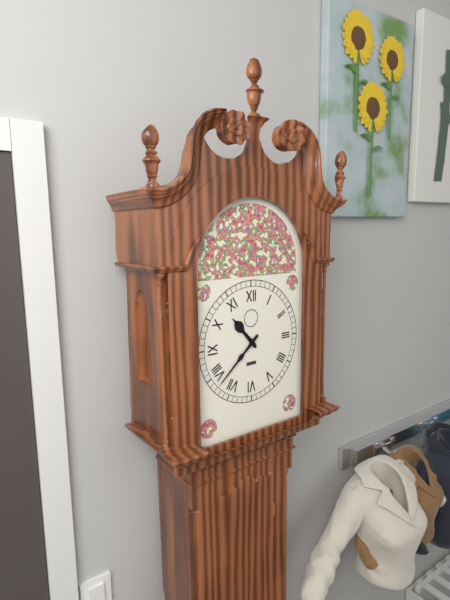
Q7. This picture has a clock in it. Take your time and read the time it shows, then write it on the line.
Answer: 10:38
